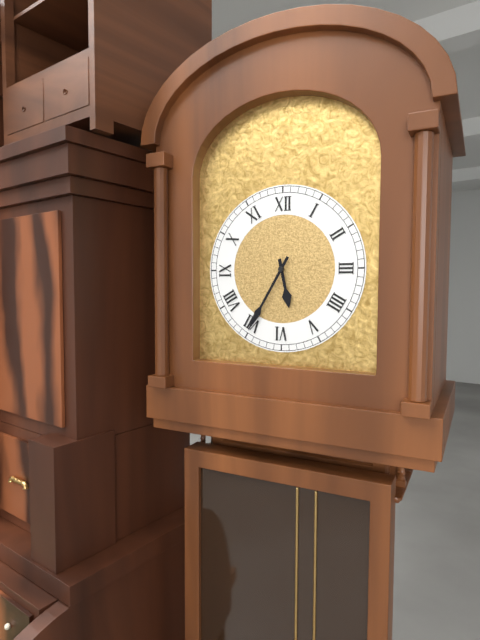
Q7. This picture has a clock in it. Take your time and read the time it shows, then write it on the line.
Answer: 5:35
